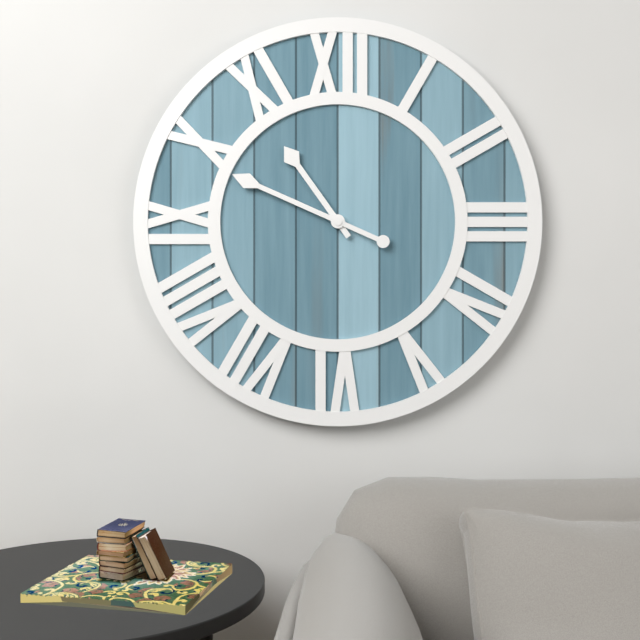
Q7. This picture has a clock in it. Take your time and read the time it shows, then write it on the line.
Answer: 10:49
